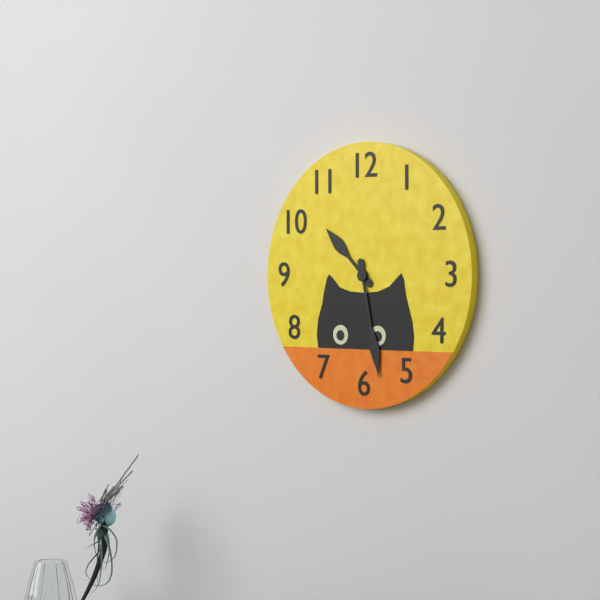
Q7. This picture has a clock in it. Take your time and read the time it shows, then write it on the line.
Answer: 10:28
